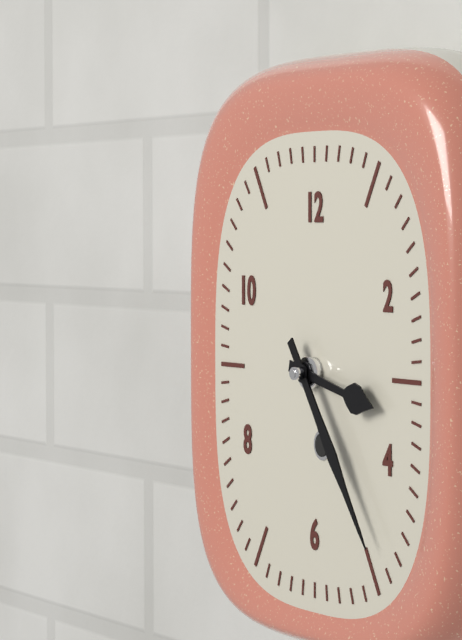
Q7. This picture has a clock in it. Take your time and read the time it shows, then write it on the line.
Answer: 3:24
